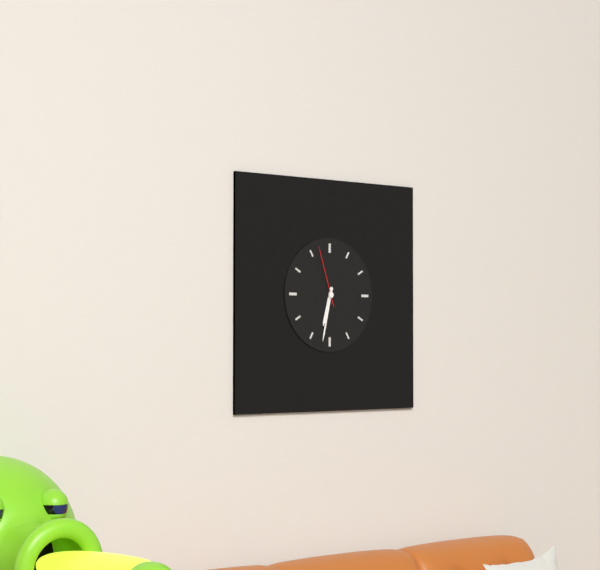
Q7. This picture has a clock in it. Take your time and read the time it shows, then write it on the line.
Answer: 6:32:57
